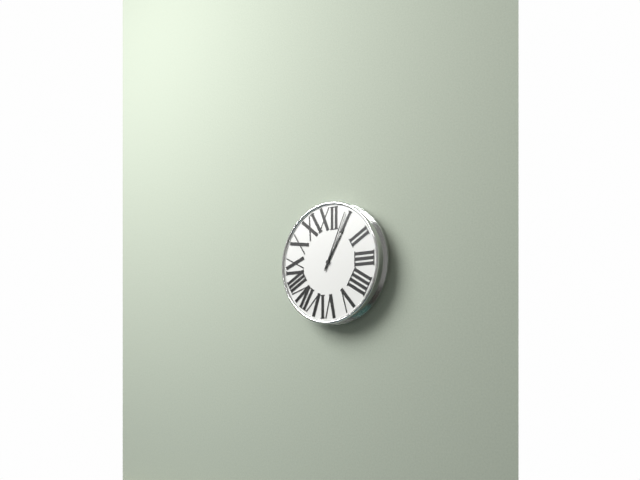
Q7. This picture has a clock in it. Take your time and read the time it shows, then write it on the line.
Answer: 1:04
